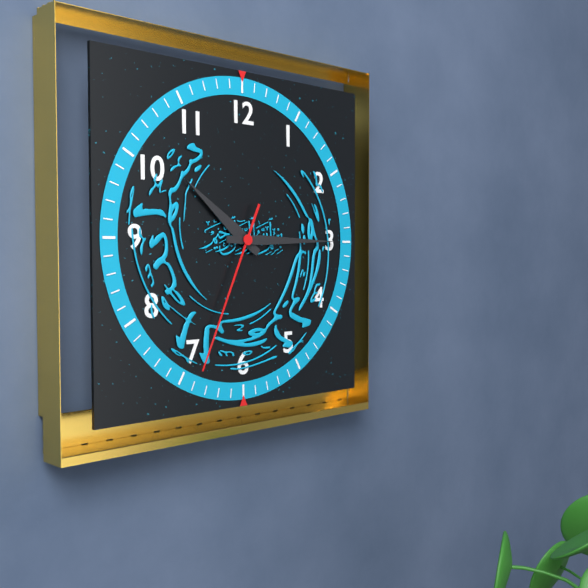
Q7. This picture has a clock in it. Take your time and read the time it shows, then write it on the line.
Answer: 10:15:34
